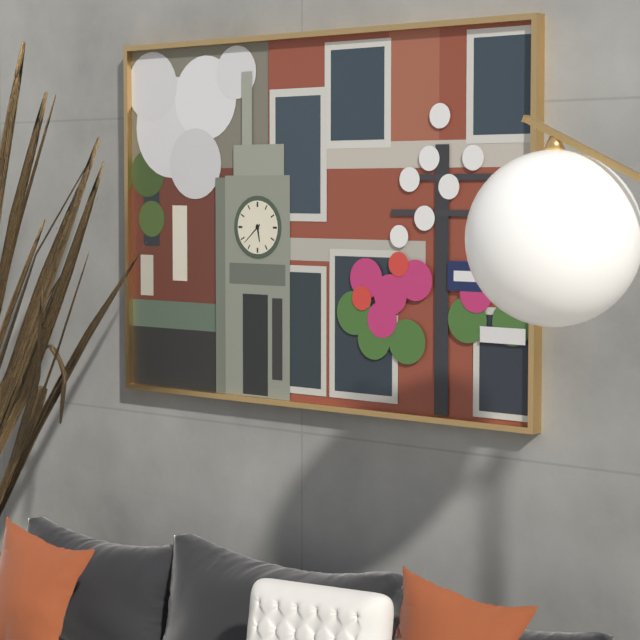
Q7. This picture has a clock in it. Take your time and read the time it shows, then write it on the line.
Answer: 5:38
